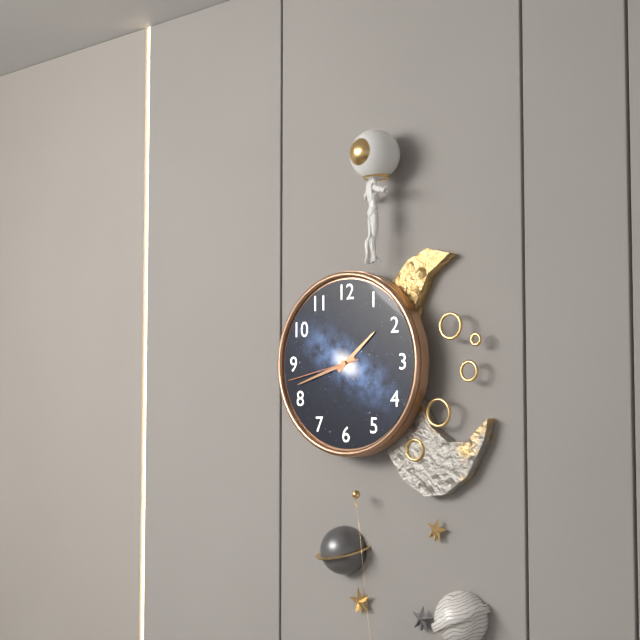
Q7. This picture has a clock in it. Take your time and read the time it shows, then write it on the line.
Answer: 1:42:43
